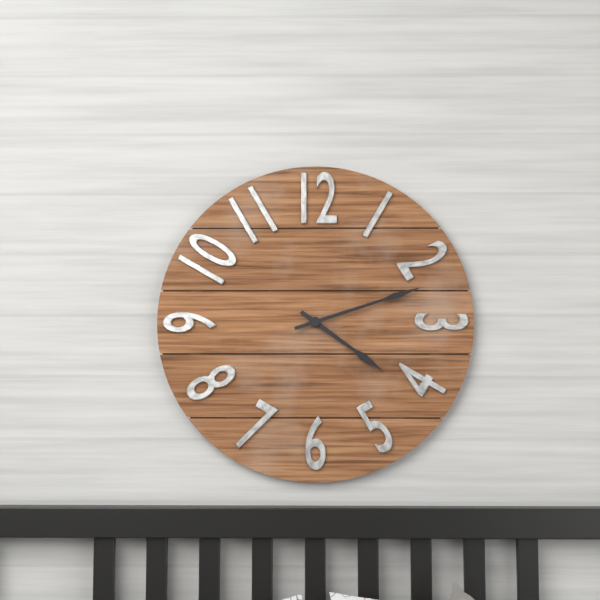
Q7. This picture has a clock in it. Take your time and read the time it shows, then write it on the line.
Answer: 4:12
